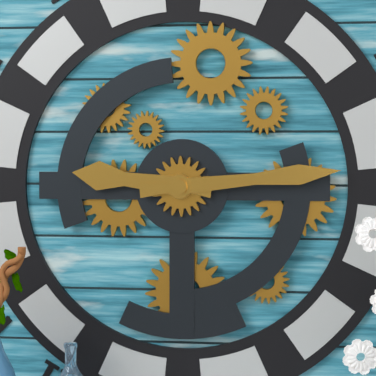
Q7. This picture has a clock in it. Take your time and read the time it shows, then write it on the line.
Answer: 9:14
